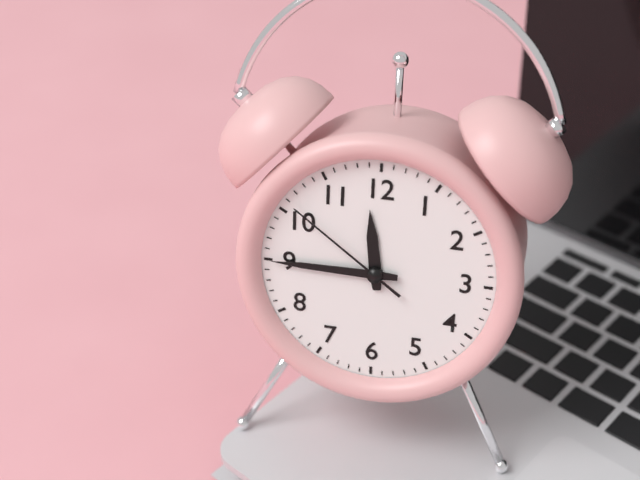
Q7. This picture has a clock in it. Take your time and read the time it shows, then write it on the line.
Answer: 11:45:51
